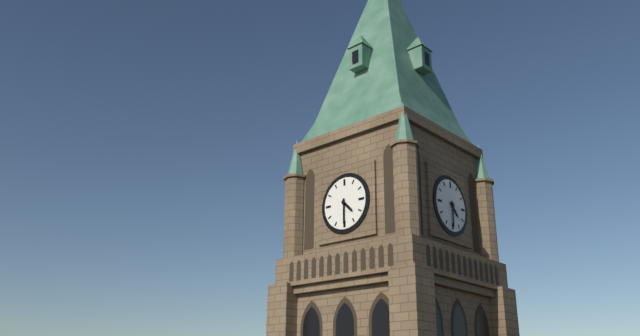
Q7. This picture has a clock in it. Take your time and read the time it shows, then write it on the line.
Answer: 4:30
